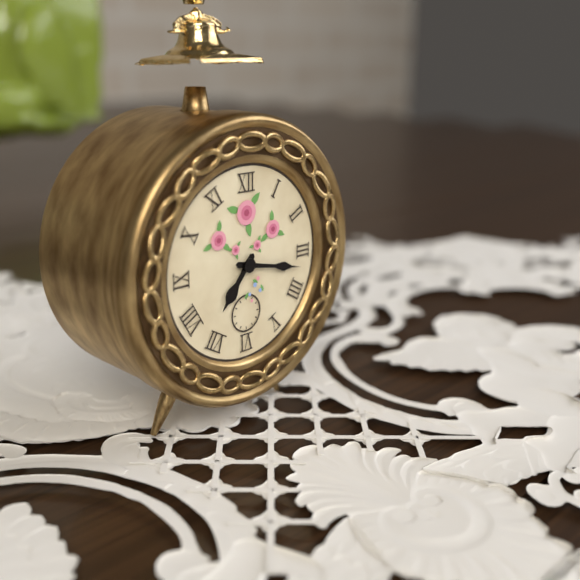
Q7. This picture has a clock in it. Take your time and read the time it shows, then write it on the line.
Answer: 7:17
